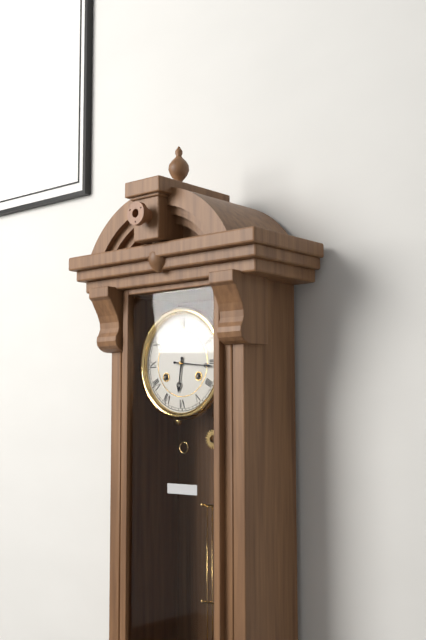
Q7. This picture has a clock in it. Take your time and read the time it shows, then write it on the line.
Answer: 6:16
